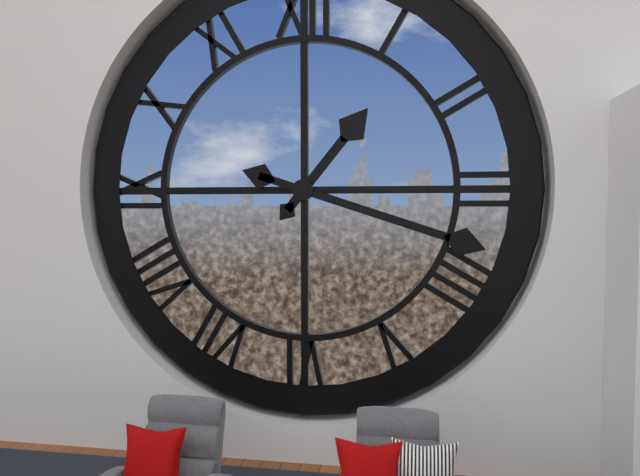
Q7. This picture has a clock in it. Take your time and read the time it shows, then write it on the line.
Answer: 1:18
